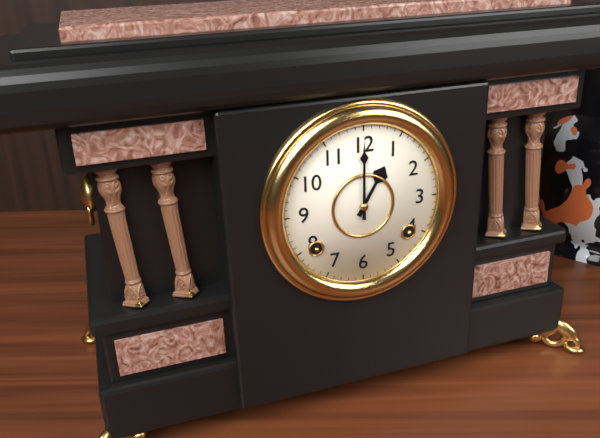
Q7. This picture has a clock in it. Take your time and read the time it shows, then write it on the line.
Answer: 1:00
